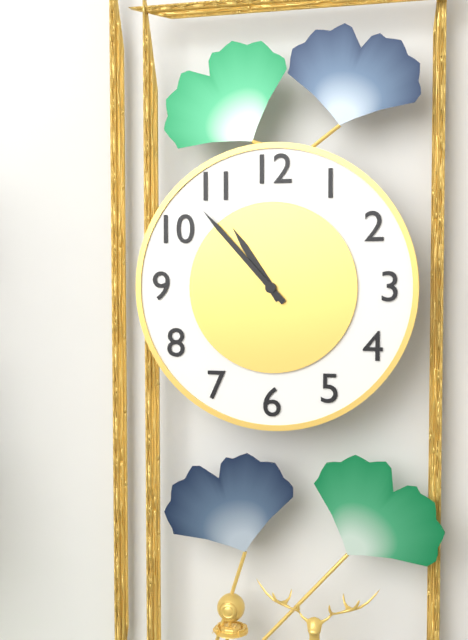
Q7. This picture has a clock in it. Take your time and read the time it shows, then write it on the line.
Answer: 10:53
